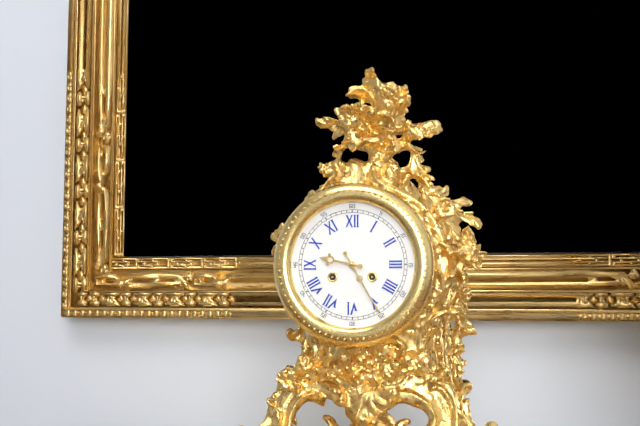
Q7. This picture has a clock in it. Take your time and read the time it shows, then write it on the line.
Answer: 9:25
